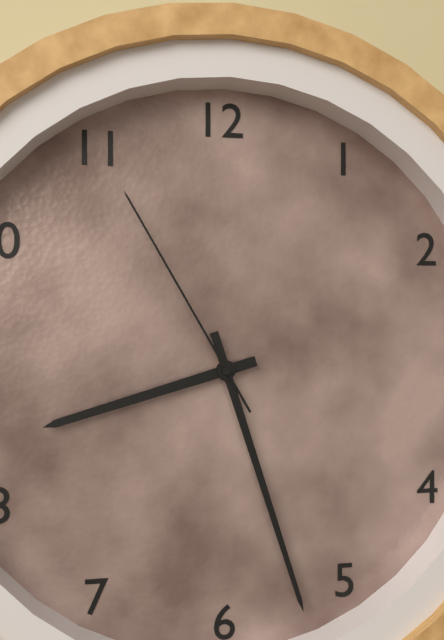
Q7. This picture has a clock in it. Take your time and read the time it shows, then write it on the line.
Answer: 8:27:55
